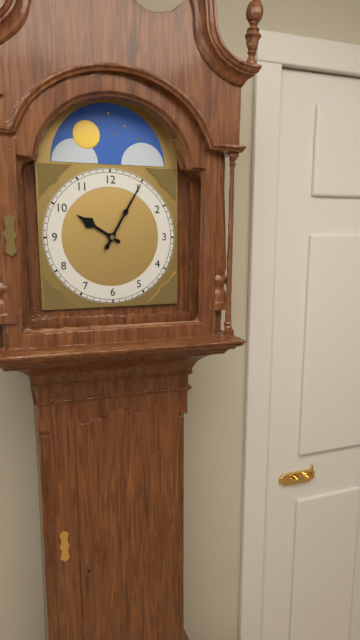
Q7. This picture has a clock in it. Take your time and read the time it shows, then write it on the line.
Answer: 10:05
